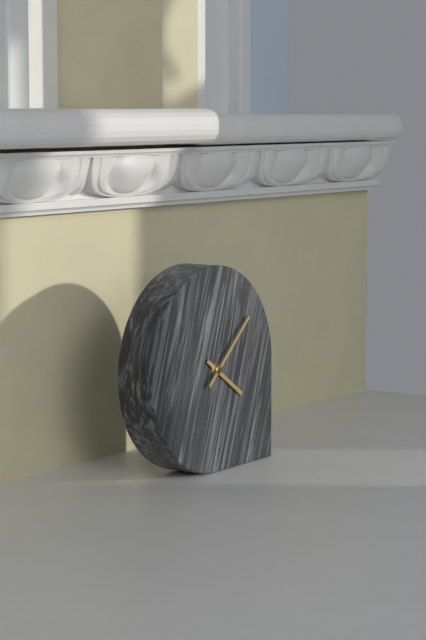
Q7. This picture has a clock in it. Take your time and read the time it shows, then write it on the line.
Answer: 4:08
